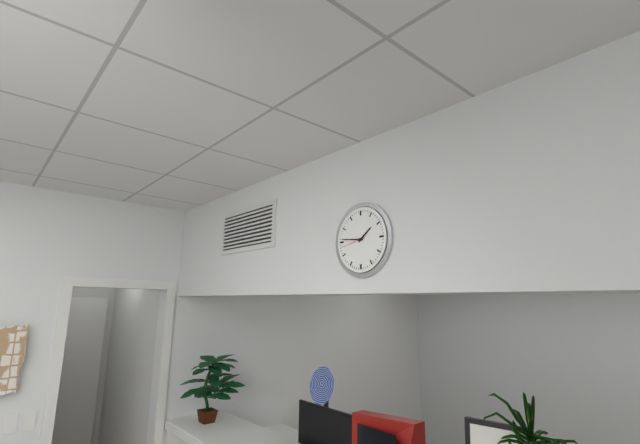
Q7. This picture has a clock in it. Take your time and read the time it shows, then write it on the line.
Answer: 1:46
